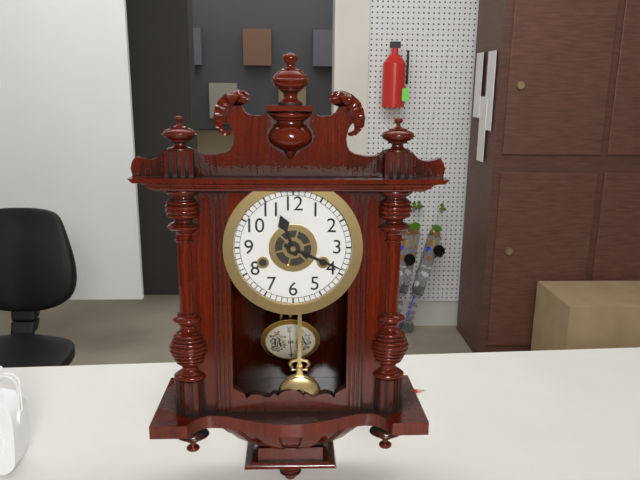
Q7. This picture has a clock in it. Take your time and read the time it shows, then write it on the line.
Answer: 11:19
